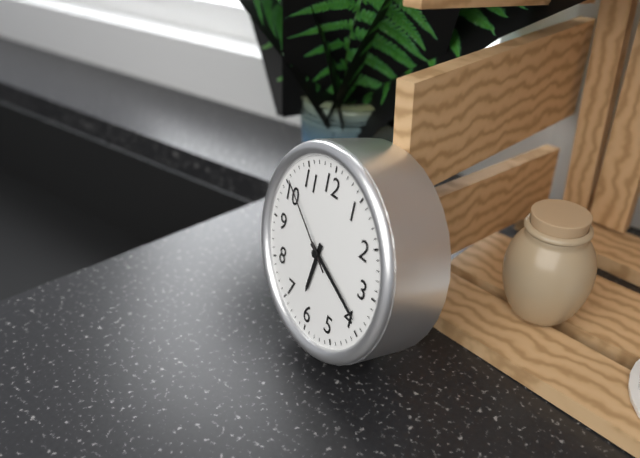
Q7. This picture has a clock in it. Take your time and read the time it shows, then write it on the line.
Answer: 6:19:51
